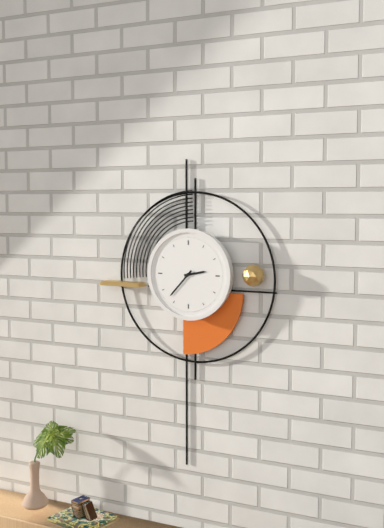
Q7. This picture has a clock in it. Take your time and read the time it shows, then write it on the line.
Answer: 2:37
